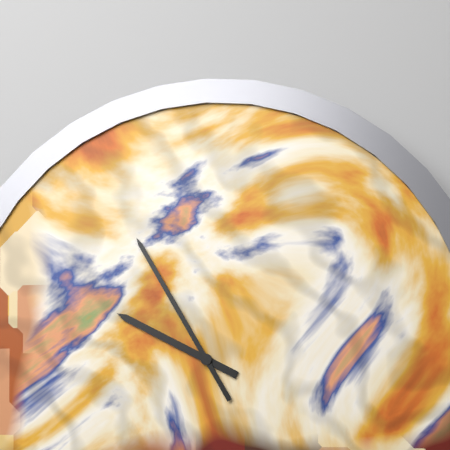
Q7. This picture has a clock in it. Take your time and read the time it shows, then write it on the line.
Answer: 9:55
